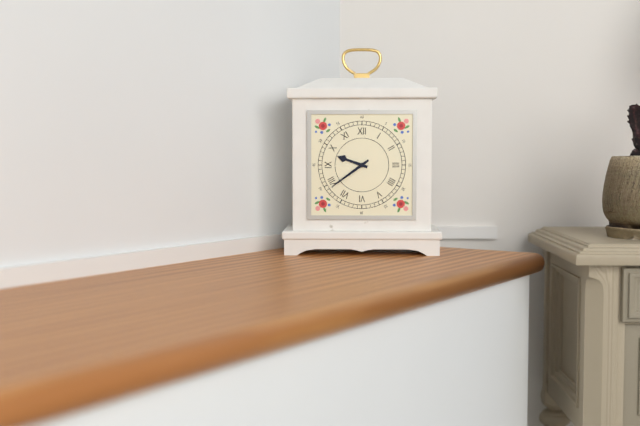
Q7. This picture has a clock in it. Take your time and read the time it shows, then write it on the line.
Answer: 9:39
